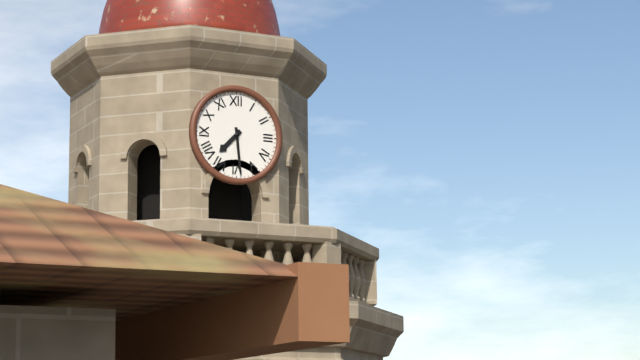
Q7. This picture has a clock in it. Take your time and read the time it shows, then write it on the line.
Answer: 7:29
